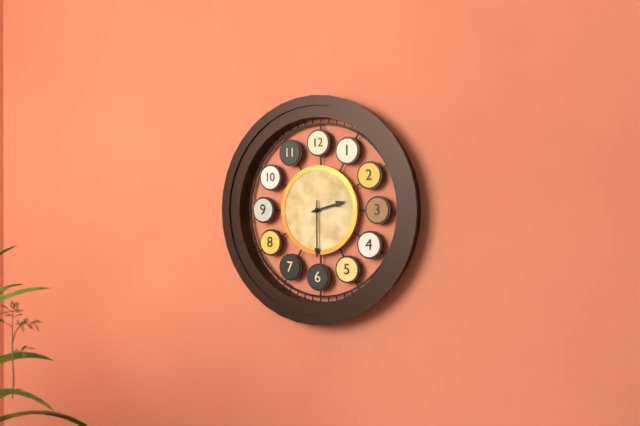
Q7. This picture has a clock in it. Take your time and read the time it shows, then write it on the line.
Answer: 2:30
